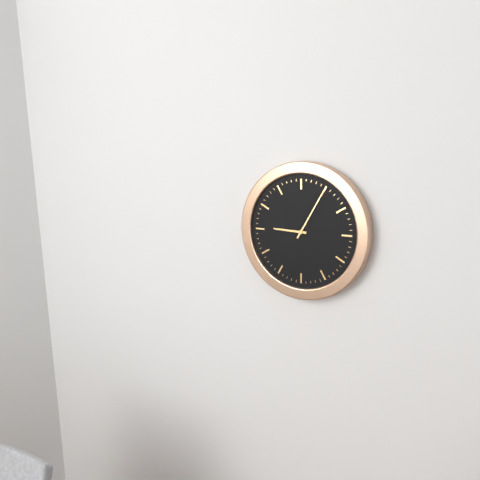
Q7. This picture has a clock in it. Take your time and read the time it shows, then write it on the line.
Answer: 9:05
